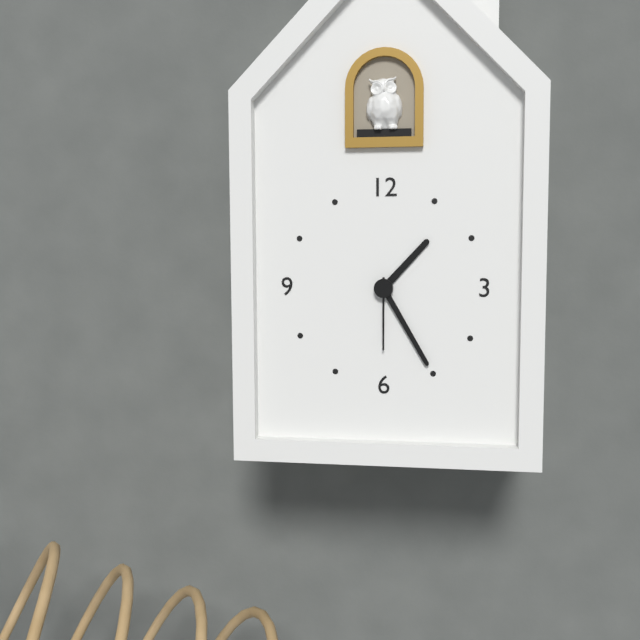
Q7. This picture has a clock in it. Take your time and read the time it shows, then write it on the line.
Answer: 1:25:30
